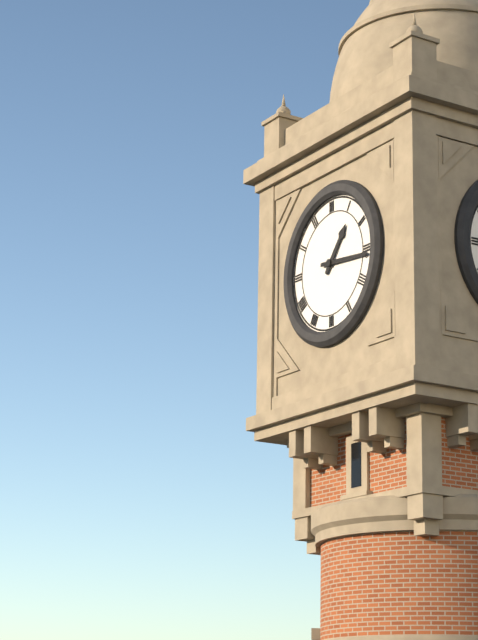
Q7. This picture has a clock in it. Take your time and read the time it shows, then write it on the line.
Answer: 1:16
